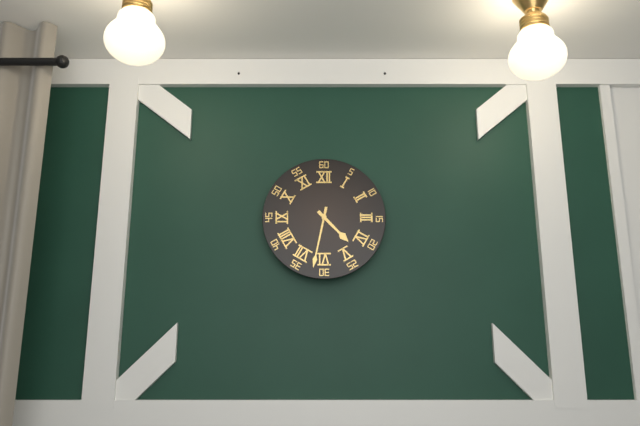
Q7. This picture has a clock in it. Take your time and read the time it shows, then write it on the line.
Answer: 4:32
